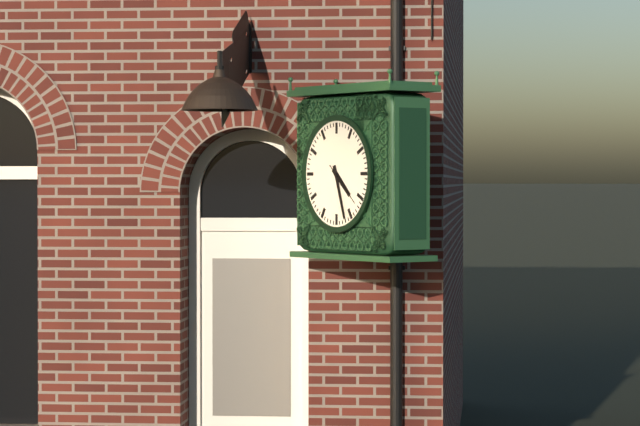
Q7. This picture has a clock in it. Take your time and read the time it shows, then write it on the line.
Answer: 4:27
